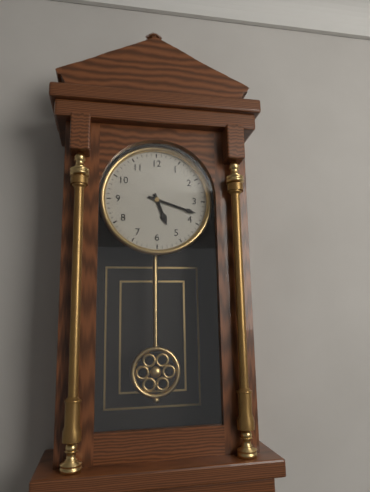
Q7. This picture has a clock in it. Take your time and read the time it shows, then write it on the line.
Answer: 5:18
